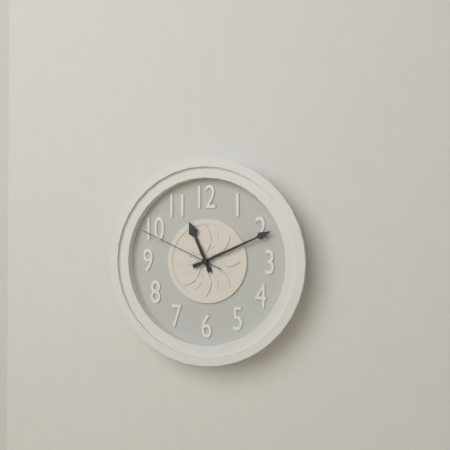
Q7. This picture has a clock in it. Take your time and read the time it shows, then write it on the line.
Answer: 11:11:49
